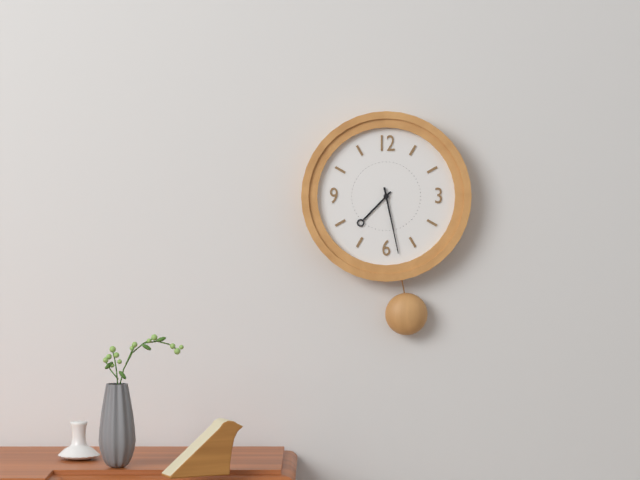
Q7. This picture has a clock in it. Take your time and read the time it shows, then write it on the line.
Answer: 7:28
